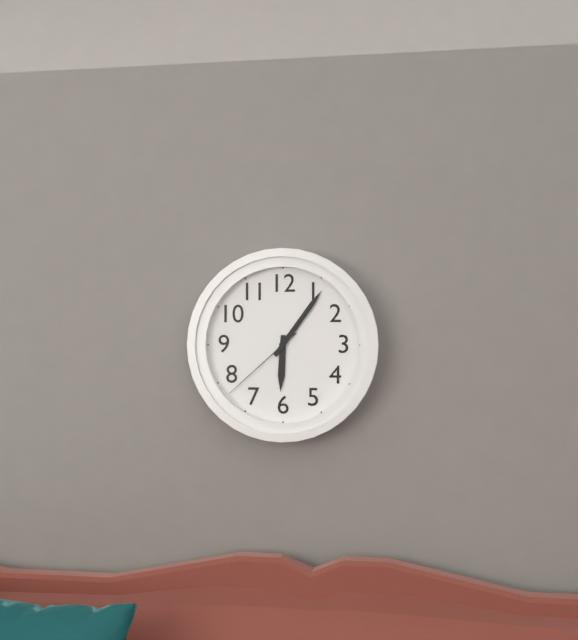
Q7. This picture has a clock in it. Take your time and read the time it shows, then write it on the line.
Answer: 6:06:38
